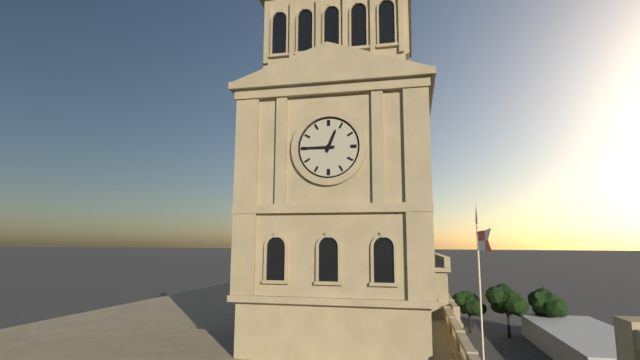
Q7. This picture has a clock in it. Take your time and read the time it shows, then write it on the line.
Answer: 12:45
